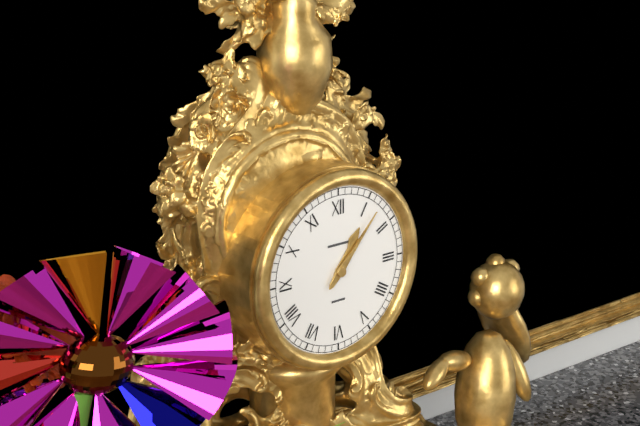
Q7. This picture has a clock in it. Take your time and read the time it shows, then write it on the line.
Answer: 1:07
